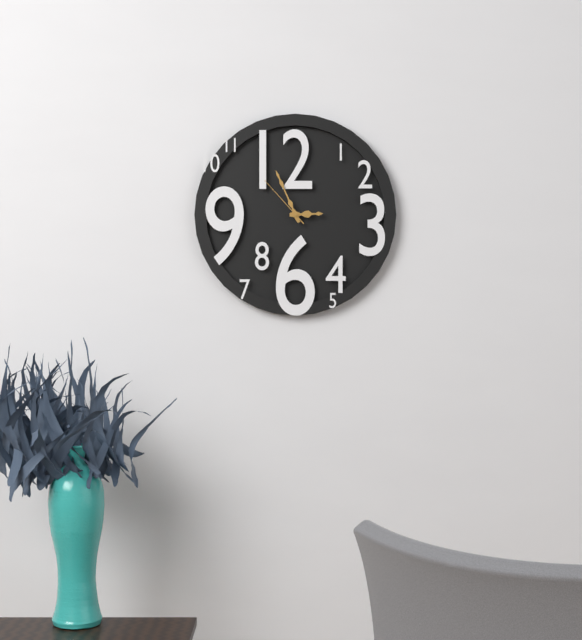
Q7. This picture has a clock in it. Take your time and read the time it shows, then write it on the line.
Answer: 2:56:53
